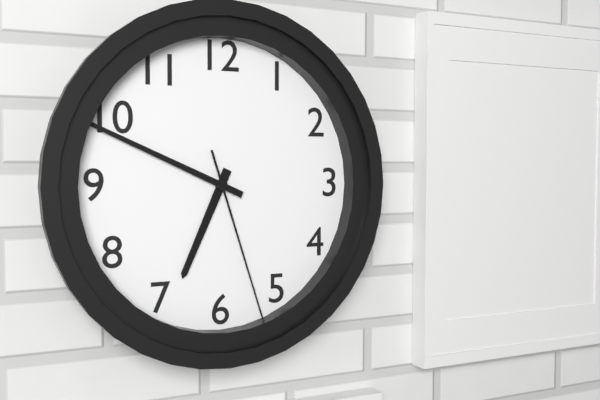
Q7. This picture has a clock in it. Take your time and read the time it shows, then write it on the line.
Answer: 6:49:27
